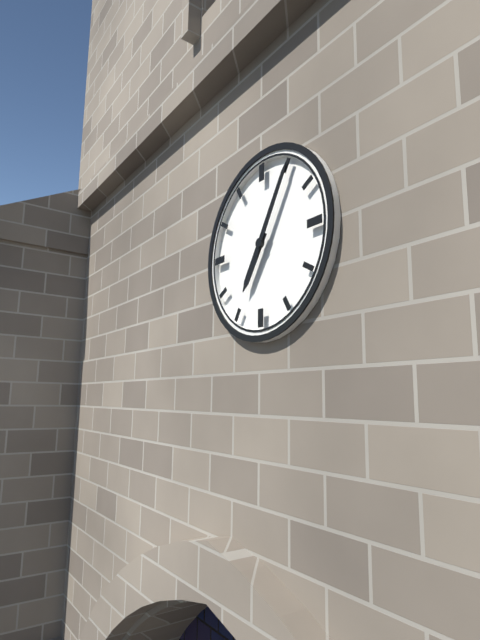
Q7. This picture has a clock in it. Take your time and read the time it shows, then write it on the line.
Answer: 7:05
